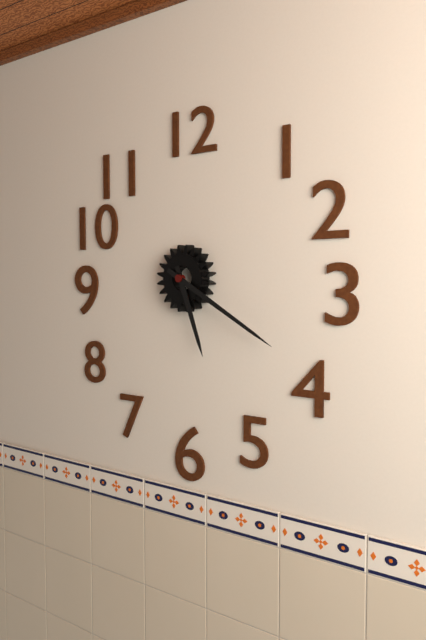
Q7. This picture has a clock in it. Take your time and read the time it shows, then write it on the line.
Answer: 5:20
